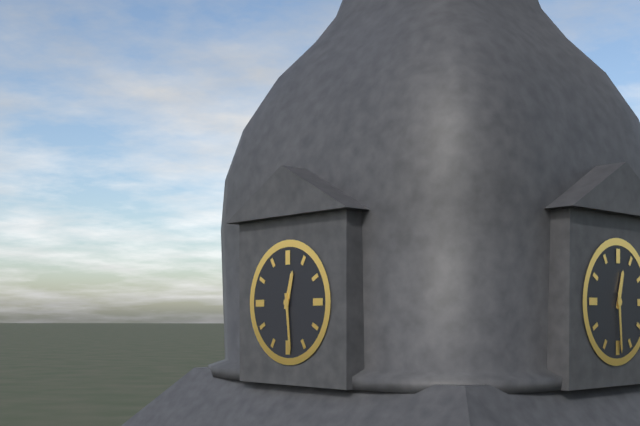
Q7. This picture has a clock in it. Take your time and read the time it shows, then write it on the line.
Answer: 12:29
